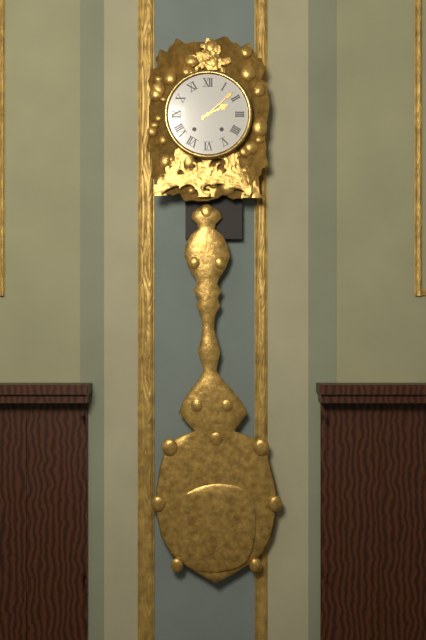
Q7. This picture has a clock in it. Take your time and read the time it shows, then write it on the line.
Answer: 2:08
